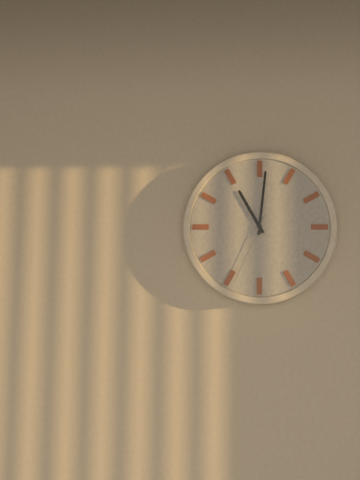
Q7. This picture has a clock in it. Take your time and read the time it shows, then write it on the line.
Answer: 11:01:34
